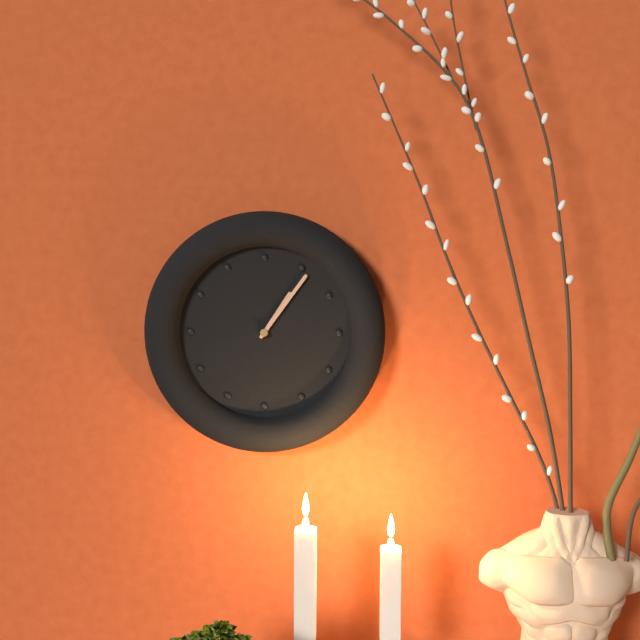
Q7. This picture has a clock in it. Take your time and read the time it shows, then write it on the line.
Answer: 1:06
